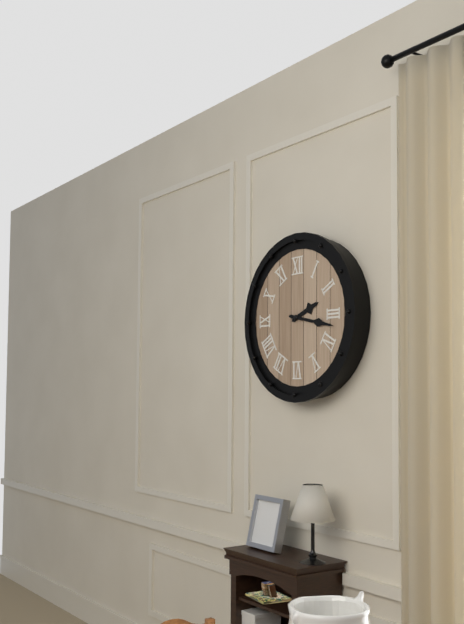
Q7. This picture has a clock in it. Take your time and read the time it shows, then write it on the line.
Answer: 2:17
